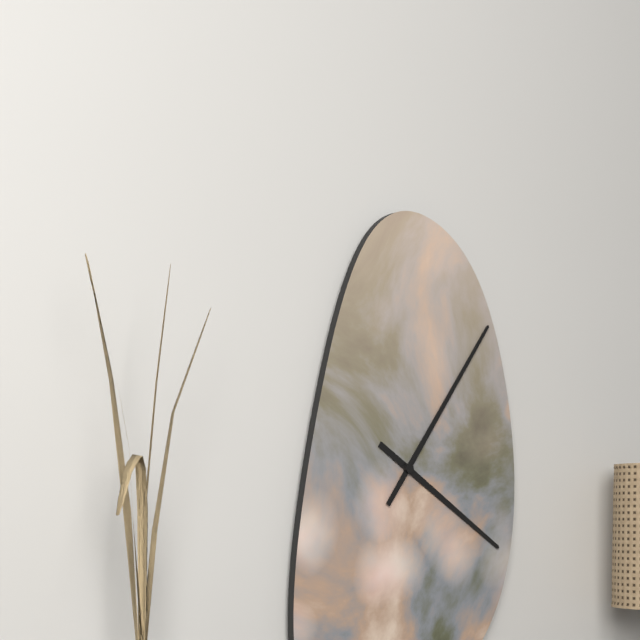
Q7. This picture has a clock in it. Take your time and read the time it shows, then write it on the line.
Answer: 4:06
